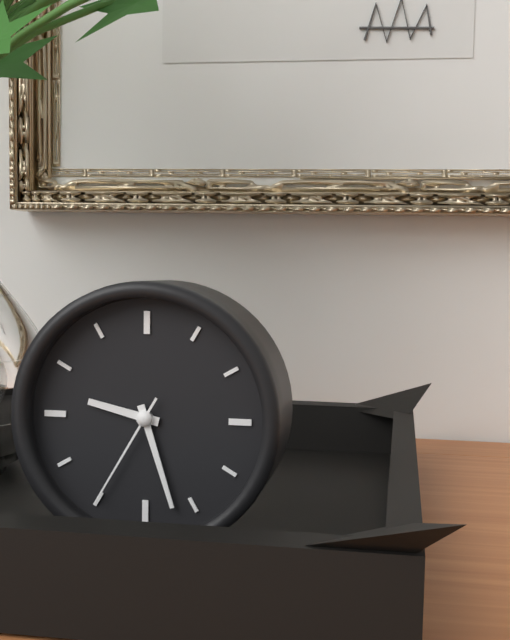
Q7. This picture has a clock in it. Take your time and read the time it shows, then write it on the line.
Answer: 9:27:35
